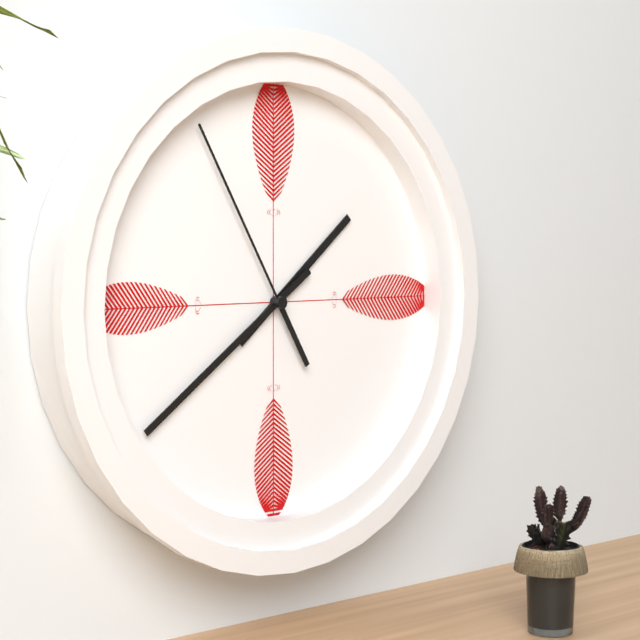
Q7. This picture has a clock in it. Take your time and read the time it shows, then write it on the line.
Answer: 1:39:55
